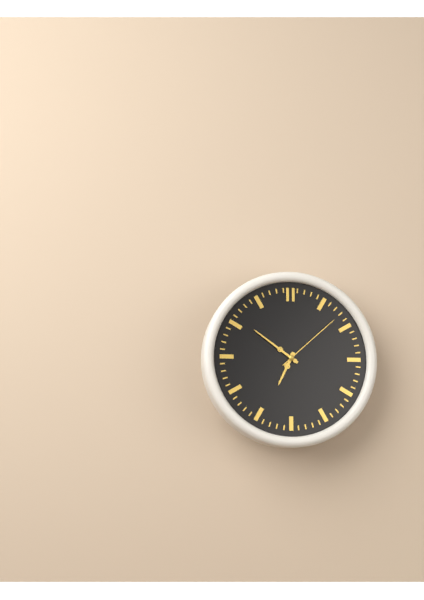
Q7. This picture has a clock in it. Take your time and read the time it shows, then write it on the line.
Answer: 6:51:08
